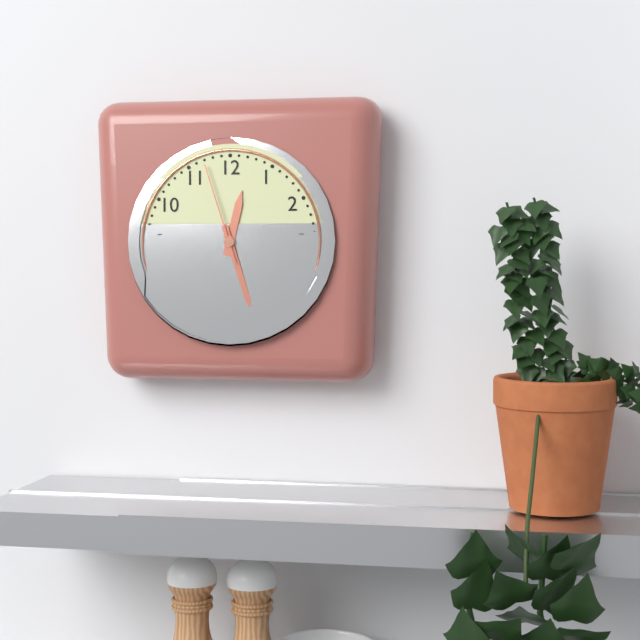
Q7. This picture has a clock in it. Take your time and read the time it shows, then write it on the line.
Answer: 12:27:57
